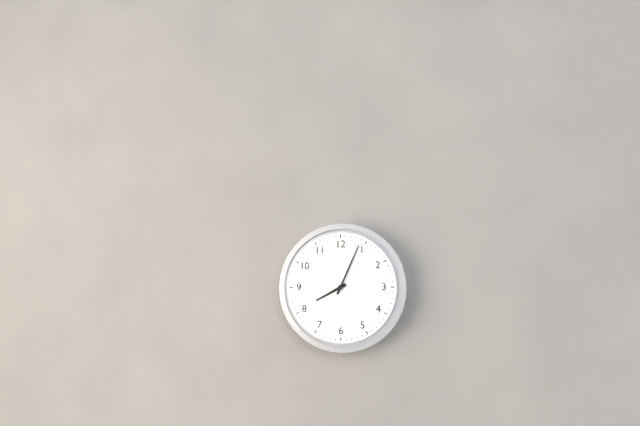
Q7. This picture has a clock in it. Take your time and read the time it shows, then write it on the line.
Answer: 8:04
